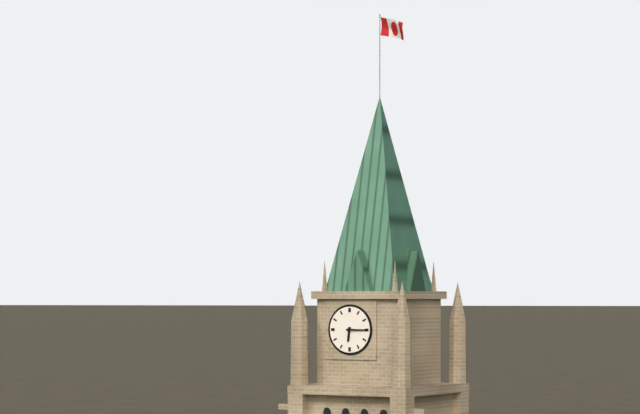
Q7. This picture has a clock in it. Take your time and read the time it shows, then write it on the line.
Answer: 6:15
